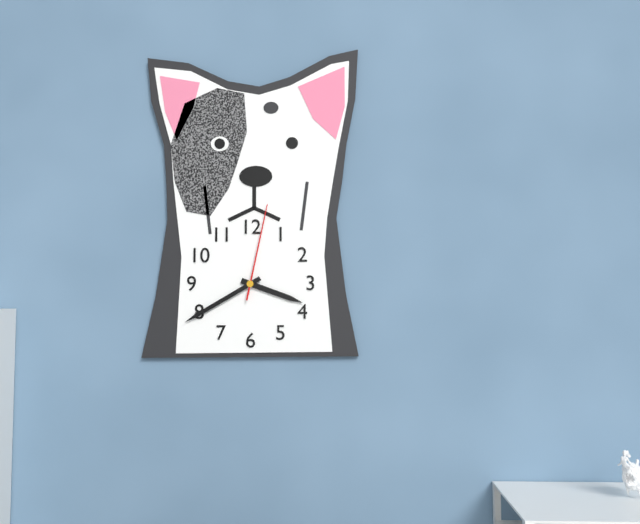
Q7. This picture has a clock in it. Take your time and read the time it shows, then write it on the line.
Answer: 3:40:02
